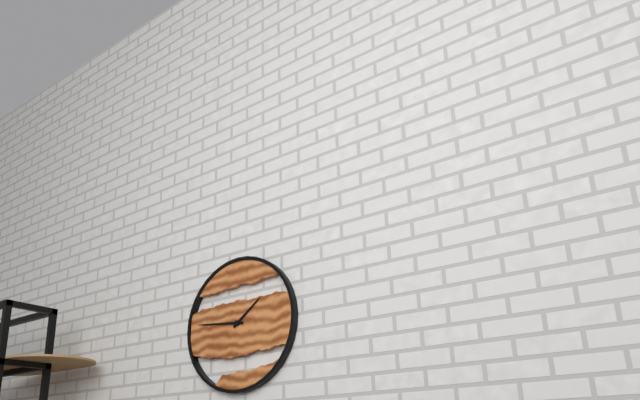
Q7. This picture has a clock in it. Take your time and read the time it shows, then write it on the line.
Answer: 1:46
